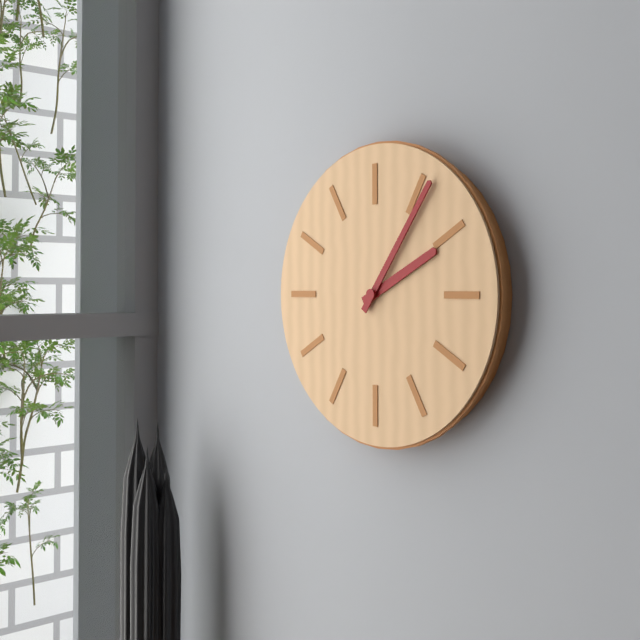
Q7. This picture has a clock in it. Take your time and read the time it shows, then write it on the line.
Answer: 2:06
